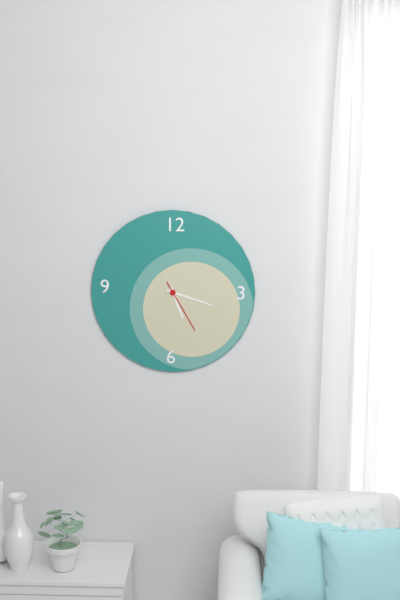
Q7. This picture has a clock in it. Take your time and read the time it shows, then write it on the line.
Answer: 5:18:25
